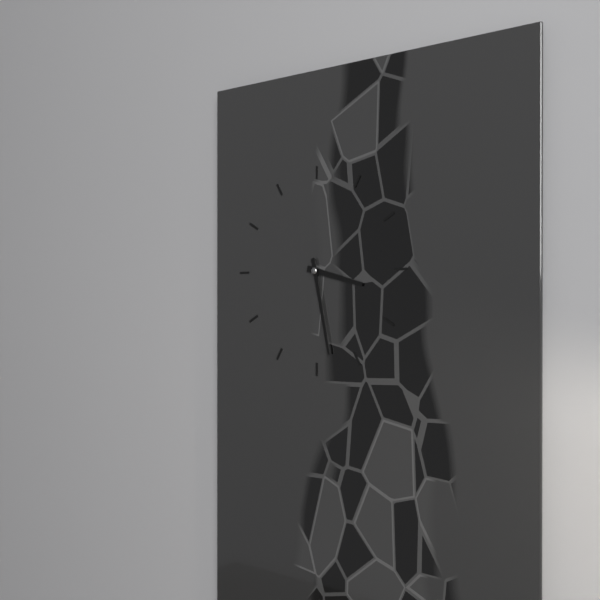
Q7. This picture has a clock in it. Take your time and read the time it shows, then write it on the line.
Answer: 3:28
